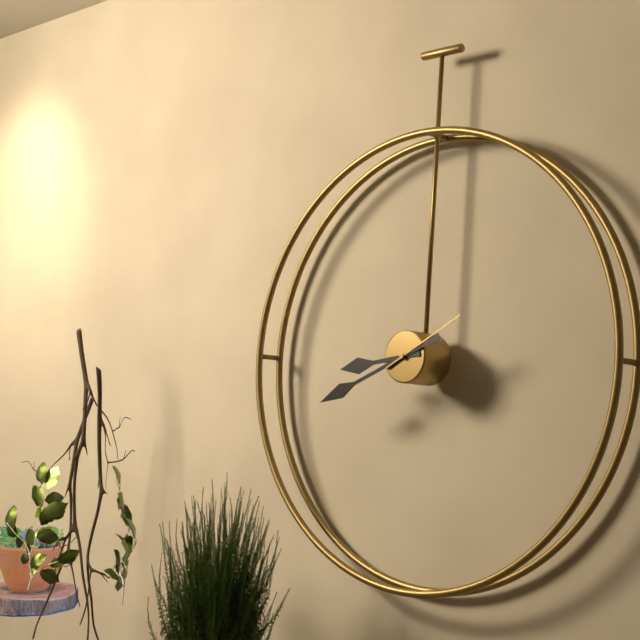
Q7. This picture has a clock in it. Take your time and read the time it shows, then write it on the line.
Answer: 8:41:10
